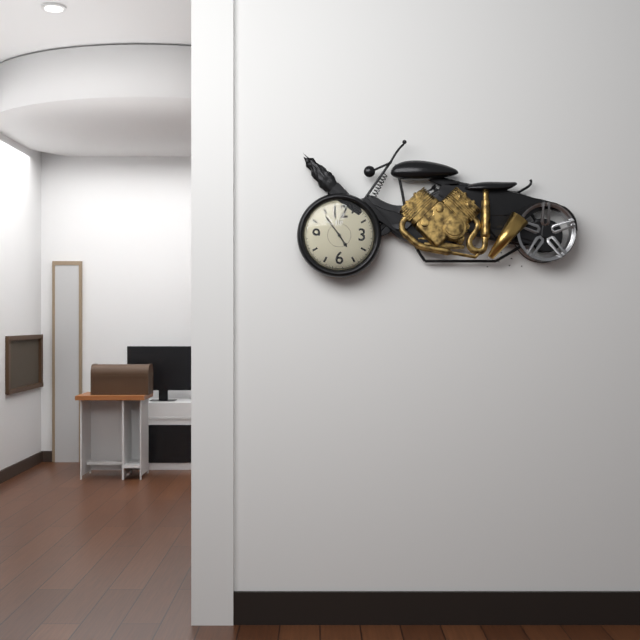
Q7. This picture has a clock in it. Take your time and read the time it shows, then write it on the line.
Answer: 4:54
